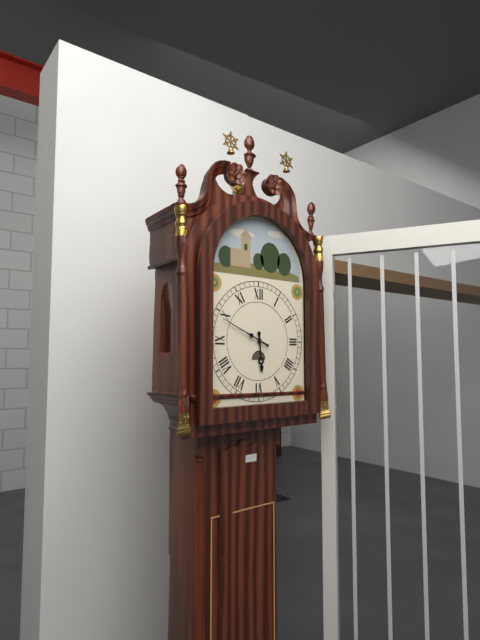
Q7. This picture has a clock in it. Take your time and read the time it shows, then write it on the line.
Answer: 5:49
